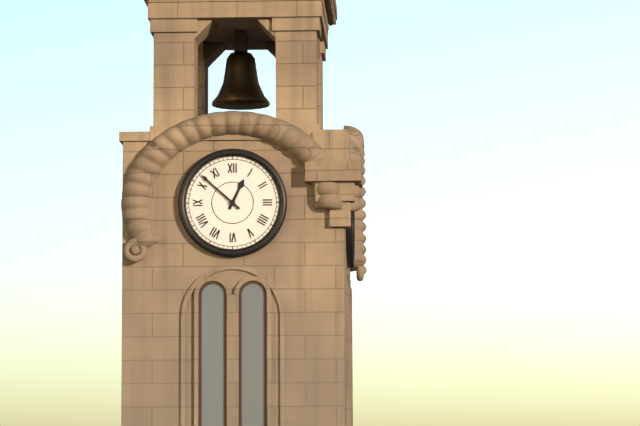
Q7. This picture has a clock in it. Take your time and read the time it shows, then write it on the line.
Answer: 12:52
